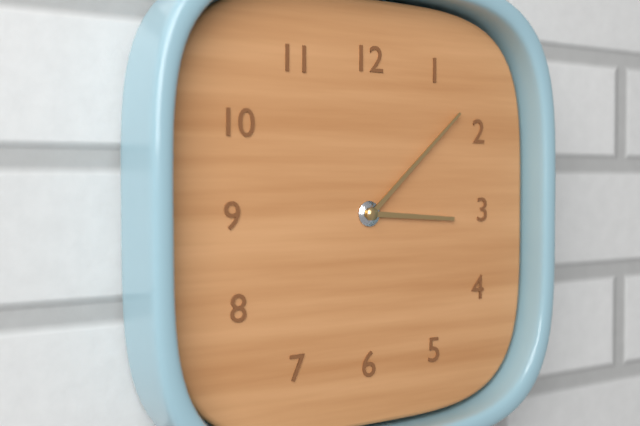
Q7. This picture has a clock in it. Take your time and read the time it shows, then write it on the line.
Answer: 3:08
